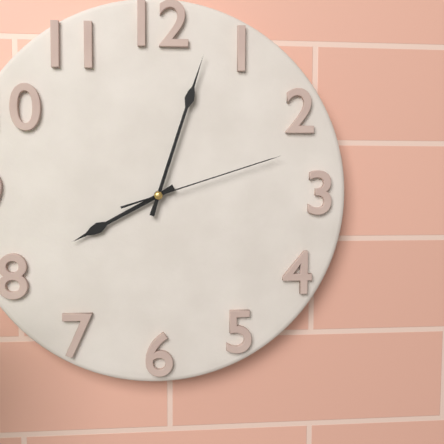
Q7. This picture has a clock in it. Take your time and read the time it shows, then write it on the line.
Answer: 8:03:12
